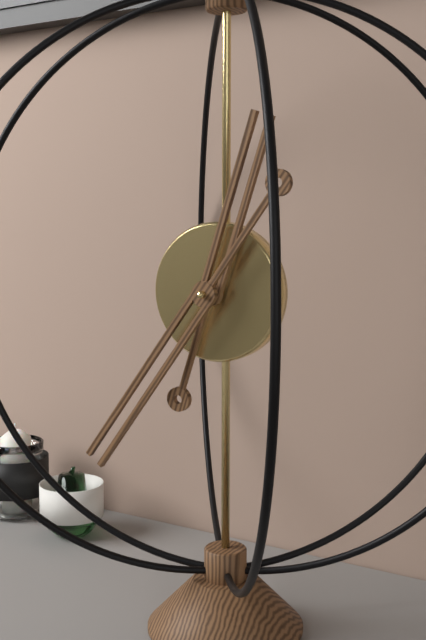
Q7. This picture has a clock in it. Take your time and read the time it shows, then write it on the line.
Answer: 12:36
